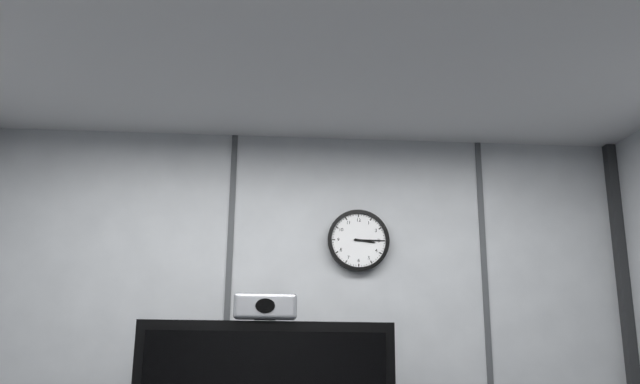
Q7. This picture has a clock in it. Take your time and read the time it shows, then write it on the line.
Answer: 3:15
